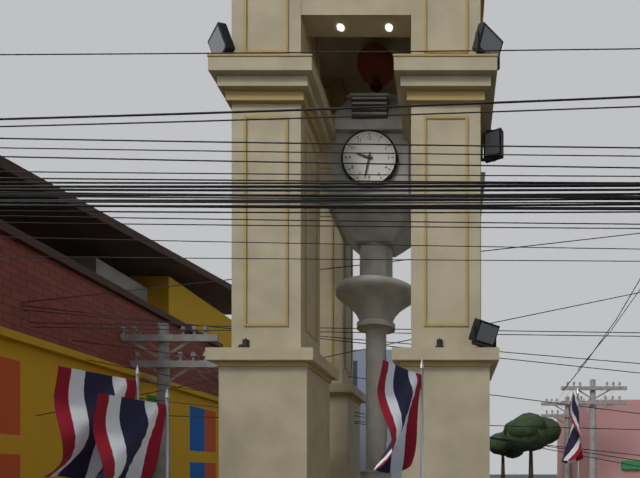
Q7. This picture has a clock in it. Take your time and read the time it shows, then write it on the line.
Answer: 9:32
